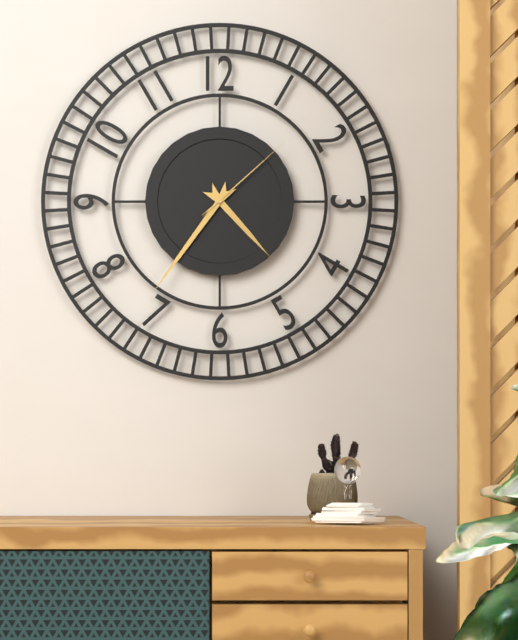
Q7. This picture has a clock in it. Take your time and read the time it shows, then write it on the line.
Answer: 4:36:08
